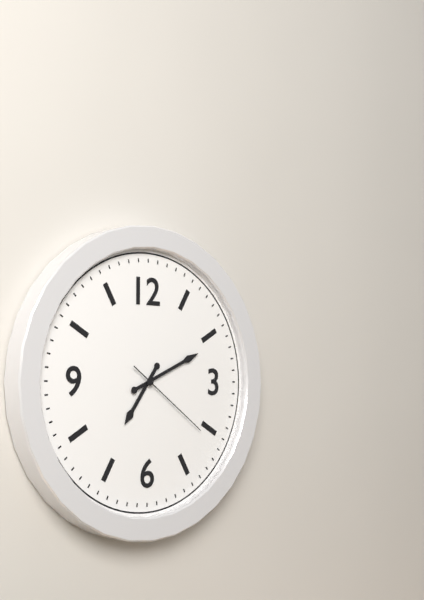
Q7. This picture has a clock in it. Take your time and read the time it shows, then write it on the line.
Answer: 7:11:21
